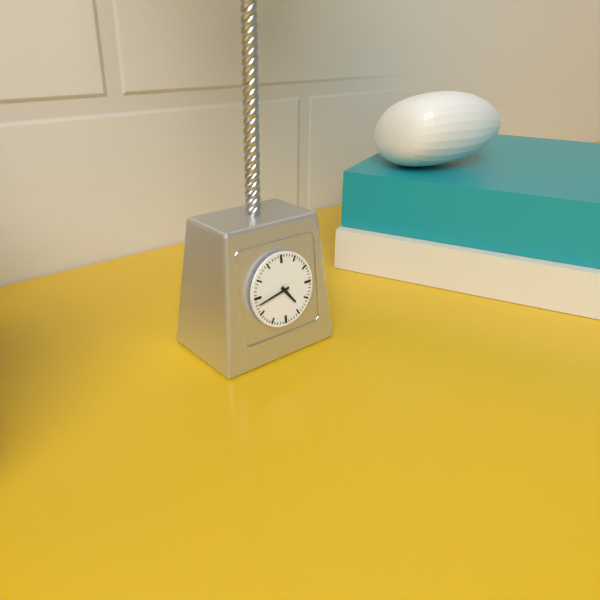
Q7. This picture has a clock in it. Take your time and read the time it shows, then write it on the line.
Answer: 4:43
